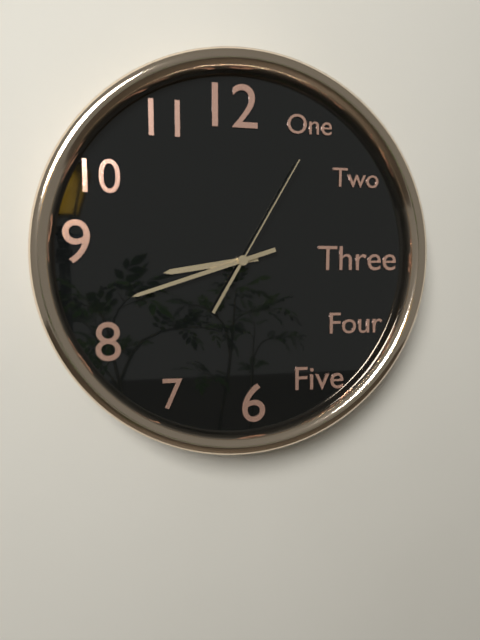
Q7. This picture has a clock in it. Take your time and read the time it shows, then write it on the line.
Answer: 8:42:05
